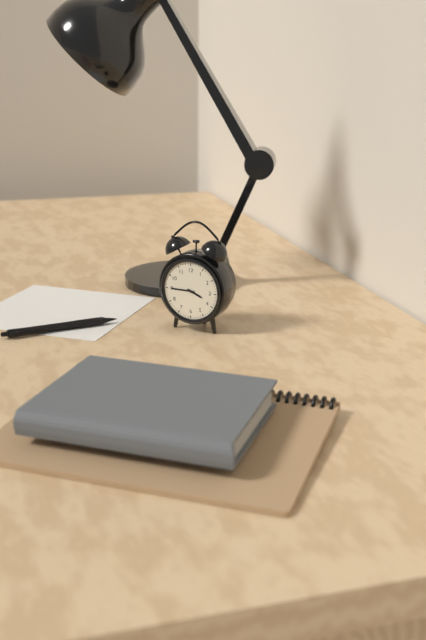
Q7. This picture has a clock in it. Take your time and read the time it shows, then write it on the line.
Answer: 3:45
